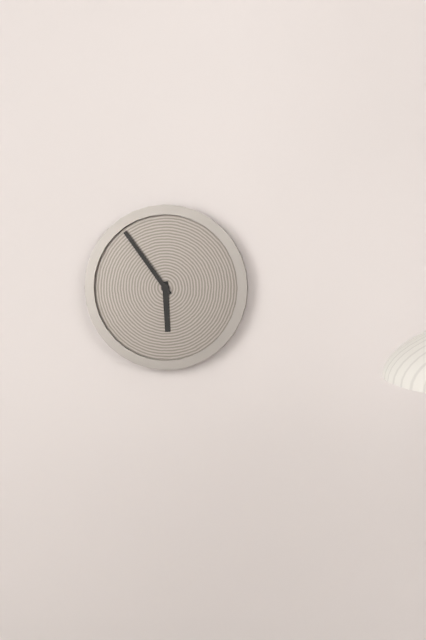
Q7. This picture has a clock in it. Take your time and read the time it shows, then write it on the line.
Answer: 5:54
